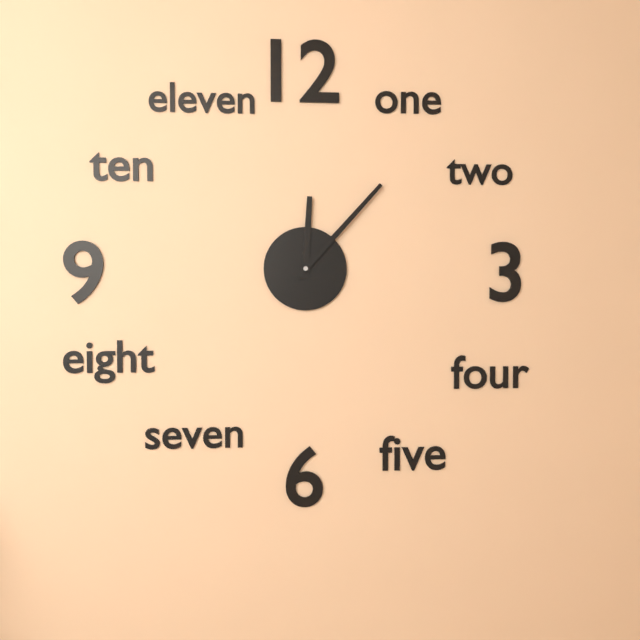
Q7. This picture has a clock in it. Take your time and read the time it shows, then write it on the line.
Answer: 12:07
